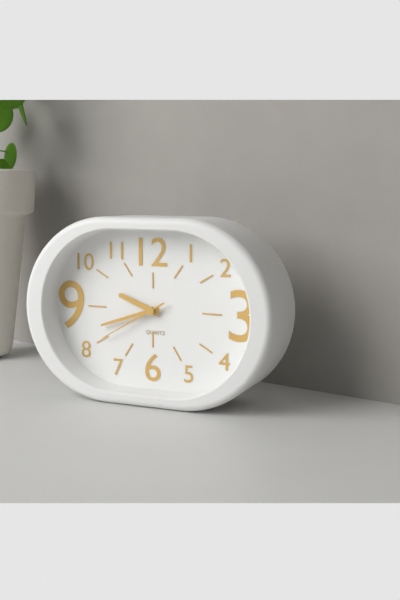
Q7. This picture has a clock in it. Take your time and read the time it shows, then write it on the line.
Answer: 9:42:40
